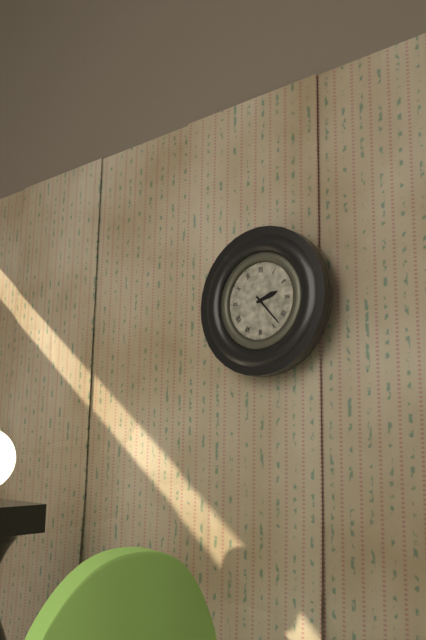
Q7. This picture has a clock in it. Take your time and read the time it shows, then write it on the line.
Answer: 2:23
